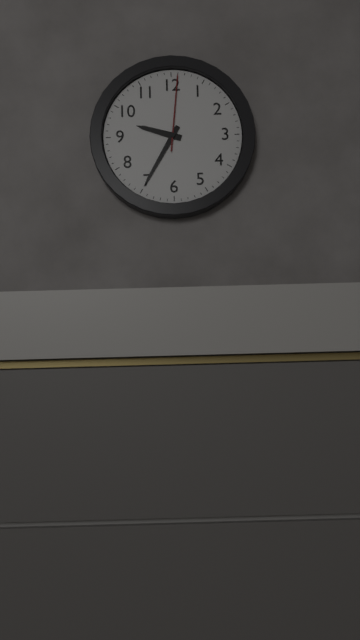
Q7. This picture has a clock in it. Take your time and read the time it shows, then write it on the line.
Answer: 9:35:01
